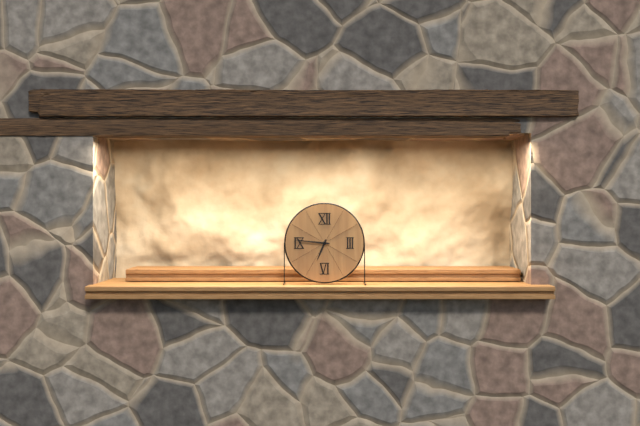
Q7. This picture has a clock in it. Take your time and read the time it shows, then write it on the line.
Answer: 6:46
